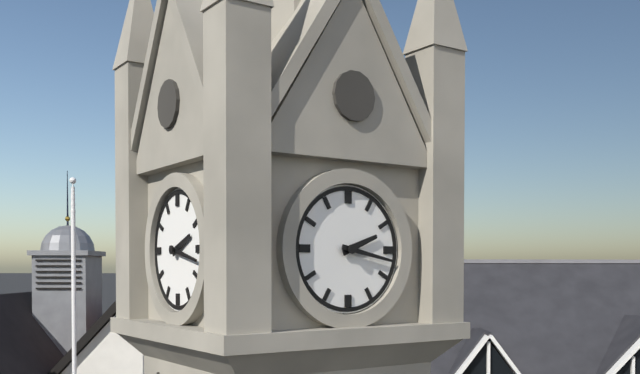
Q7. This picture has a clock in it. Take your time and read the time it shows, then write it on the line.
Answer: 2:17
